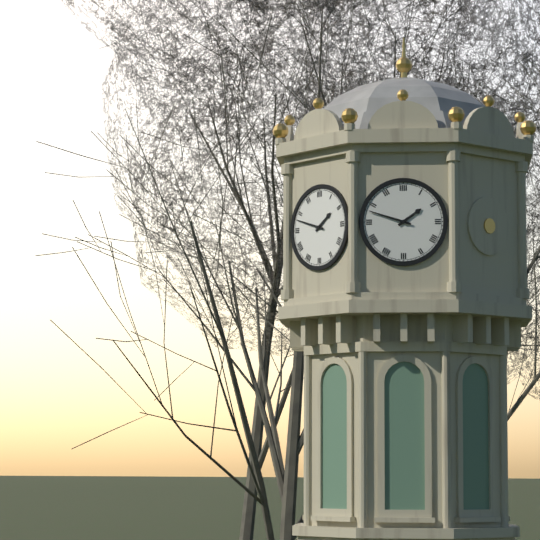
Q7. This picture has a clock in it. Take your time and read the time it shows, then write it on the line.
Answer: 1:48
